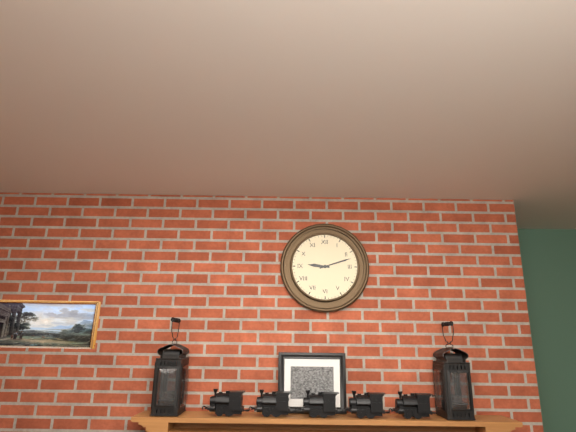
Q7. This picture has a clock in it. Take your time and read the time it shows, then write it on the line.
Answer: 9:12
